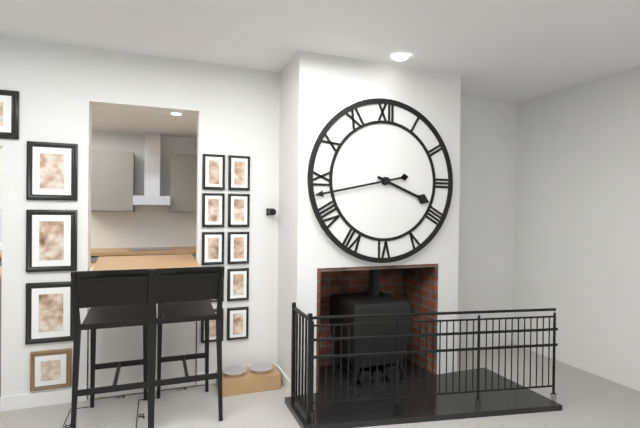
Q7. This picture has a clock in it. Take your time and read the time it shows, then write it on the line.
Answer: 3:43
